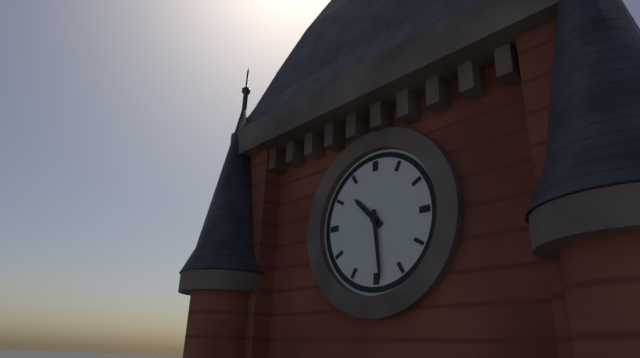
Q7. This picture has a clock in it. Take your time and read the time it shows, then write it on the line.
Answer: 10:29
